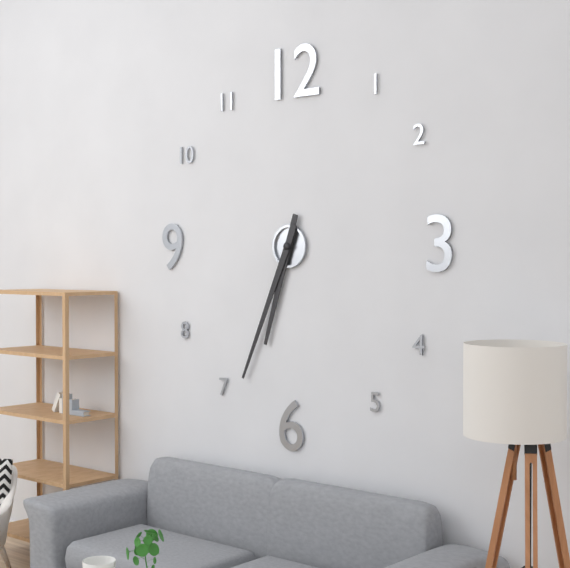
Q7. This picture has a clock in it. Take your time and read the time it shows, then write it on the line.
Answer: 6:34
